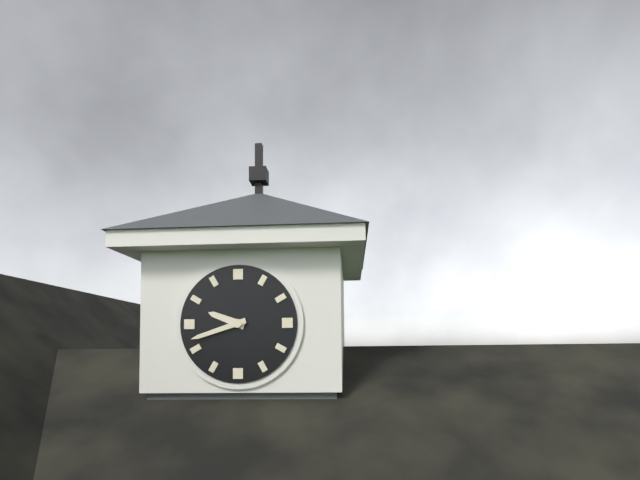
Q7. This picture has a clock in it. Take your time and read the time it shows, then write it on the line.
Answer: 9:42
